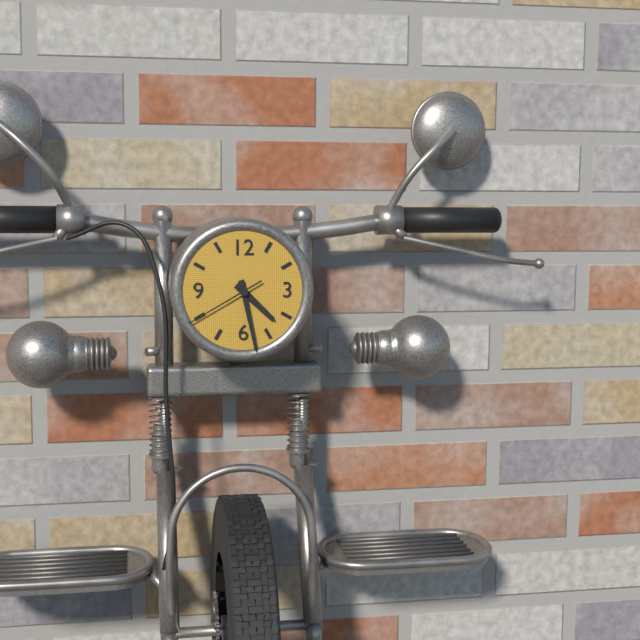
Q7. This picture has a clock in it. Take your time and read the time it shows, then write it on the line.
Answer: 4:28:40
